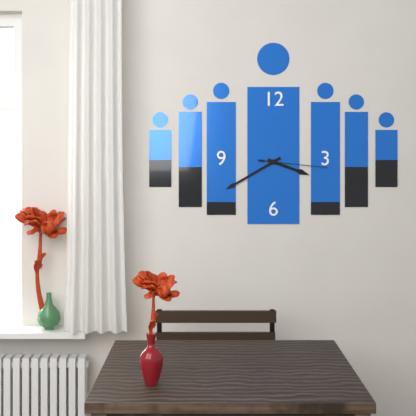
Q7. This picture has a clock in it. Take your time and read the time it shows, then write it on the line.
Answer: 3:40:16
